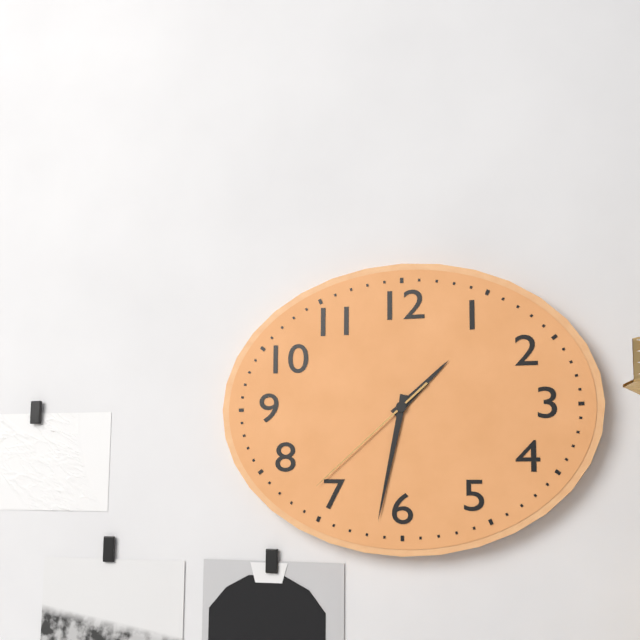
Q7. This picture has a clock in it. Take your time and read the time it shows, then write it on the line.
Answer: 1:32:38
